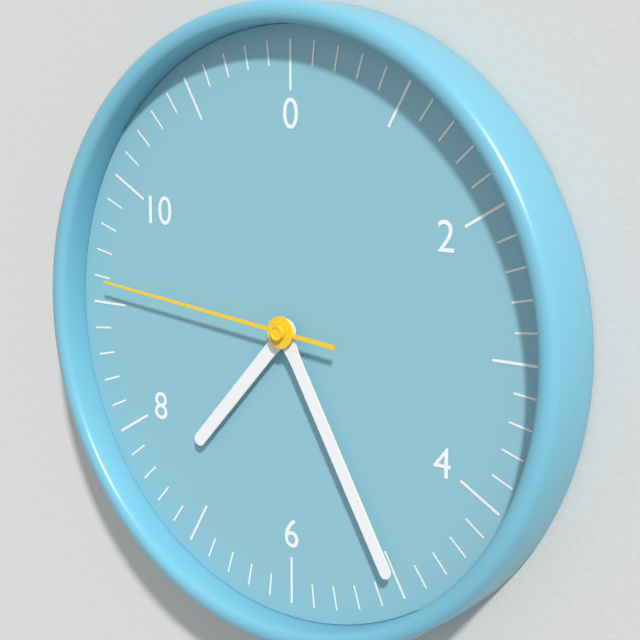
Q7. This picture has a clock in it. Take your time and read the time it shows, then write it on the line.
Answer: 7:25:46
